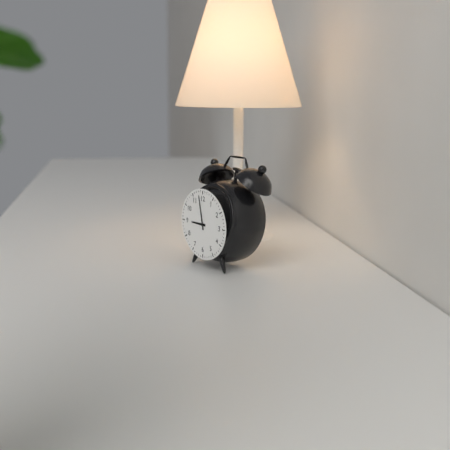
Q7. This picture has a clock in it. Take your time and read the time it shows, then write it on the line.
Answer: 8:58
